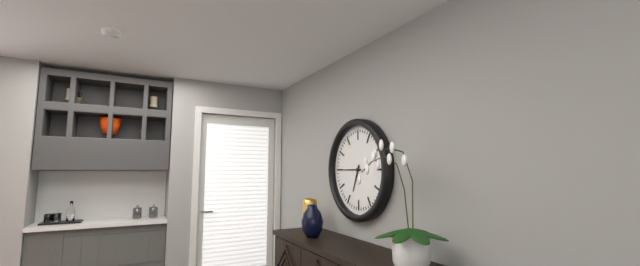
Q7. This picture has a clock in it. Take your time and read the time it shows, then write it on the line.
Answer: 6:45
